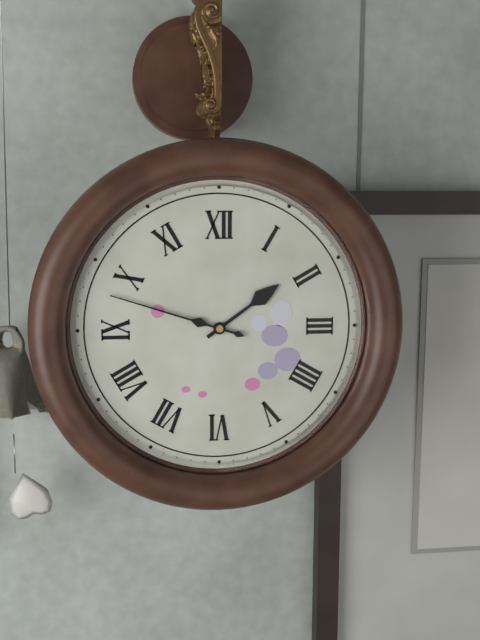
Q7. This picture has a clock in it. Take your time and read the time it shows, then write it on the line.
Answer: 1:48
